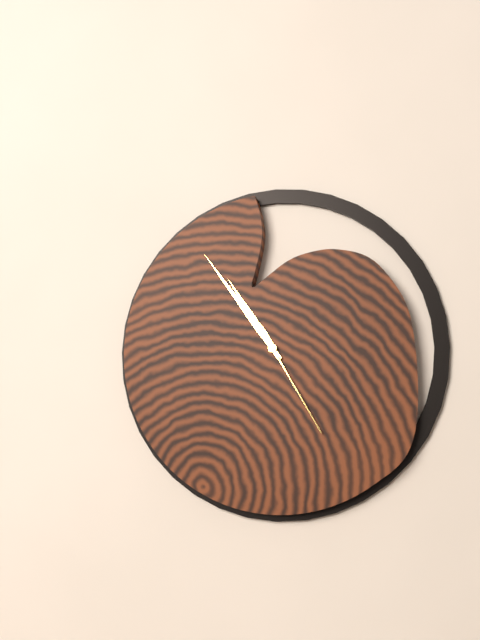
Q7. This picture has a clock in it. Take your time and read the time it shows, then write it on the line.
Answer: 10:54:25
